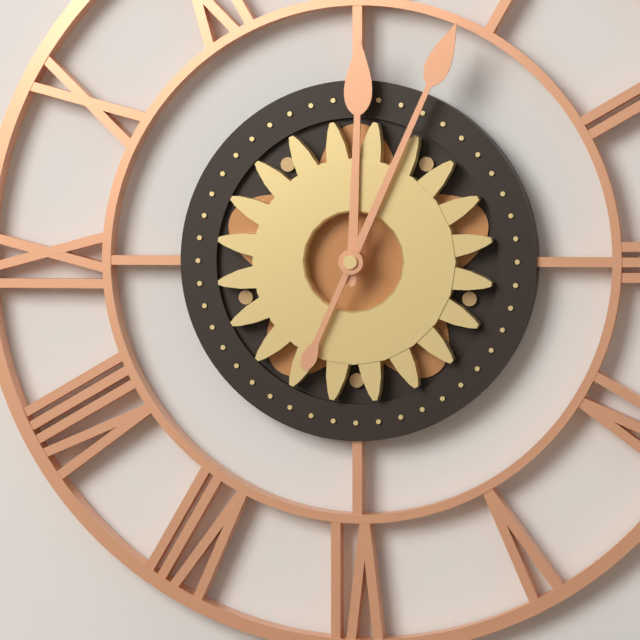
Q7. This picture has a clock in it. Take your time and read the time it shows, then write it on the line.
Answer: 12:04
